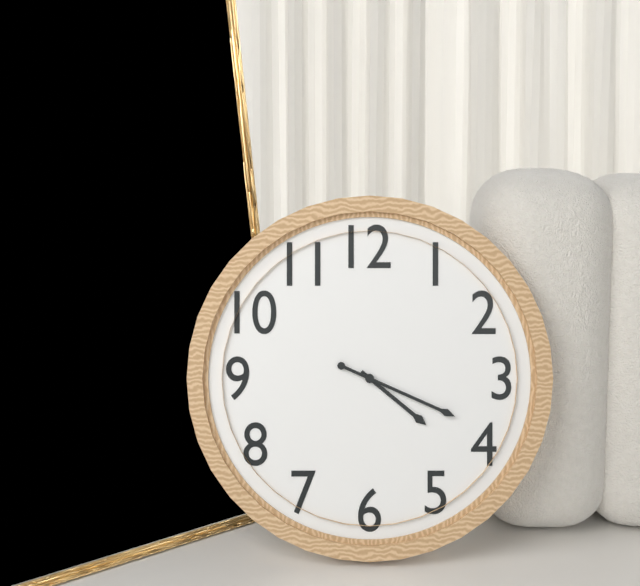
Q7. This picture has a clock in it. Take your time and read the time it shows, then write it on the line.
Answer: 4:19
